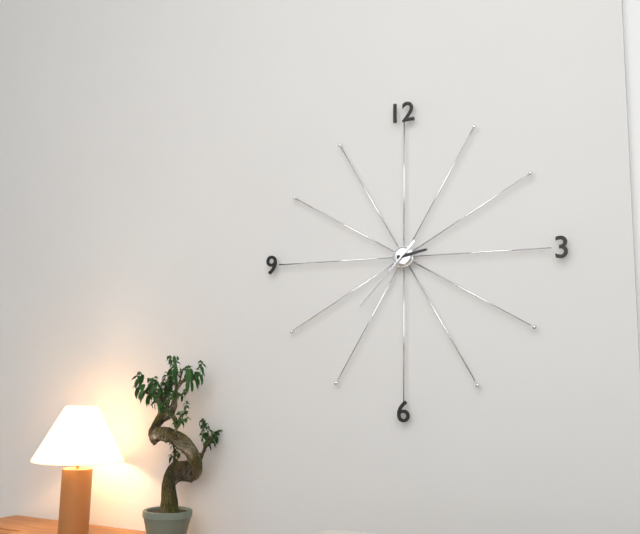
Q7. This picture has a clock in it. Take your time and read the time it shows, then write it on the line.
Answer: 2:37
